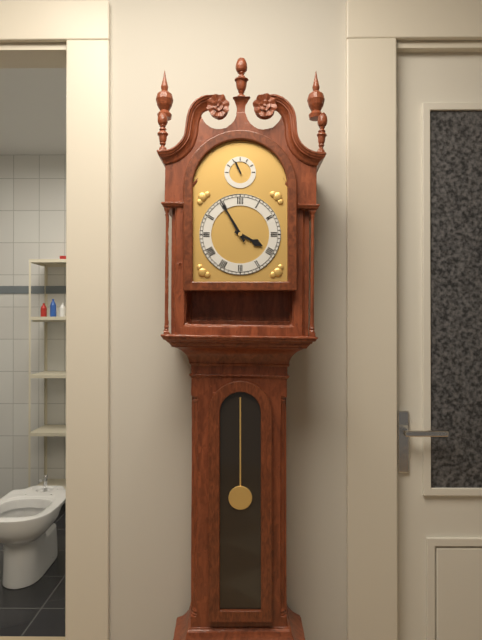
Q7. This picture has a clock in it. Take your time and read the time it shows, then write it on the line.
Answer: 3:55
